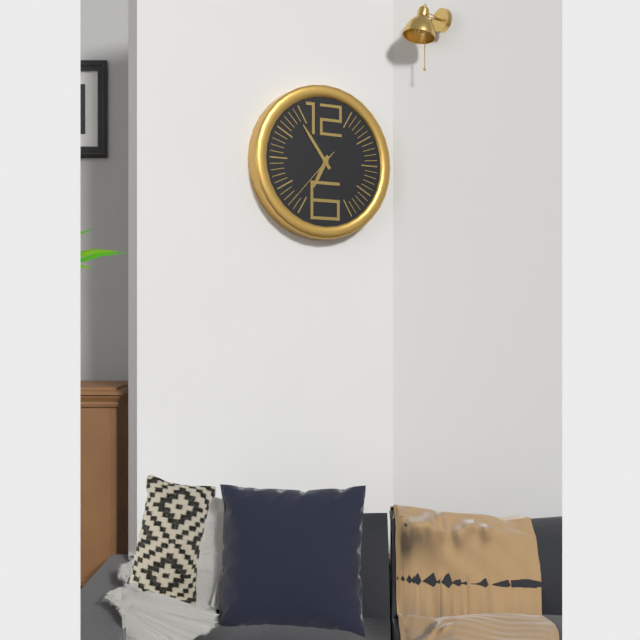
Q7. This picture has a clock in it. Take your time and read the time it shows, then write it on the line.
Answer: 6:54:37
